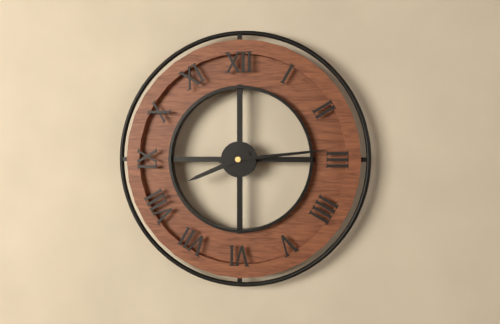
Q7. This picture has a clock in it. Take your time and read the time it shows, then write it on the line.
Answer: 8:14
